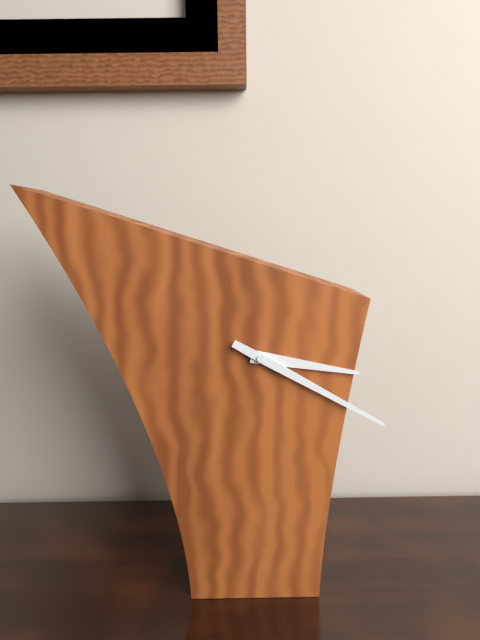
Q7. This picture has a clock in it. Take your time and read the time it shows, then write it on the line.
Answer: 3:20
